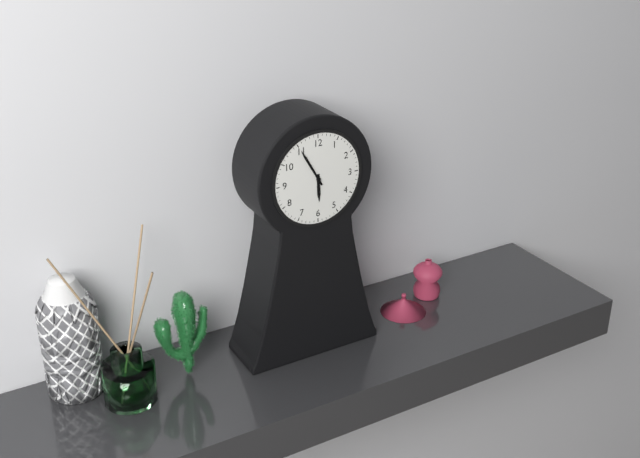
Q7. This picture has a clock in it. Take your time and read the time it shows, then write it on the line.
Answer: 5:55
